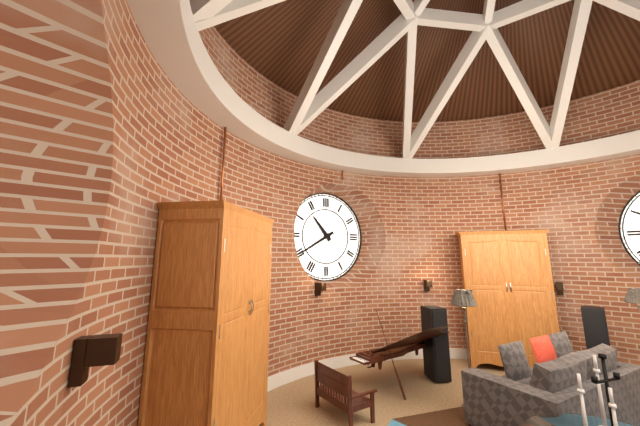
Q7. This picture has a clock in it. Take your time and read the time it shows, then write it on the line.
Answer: 10:40
